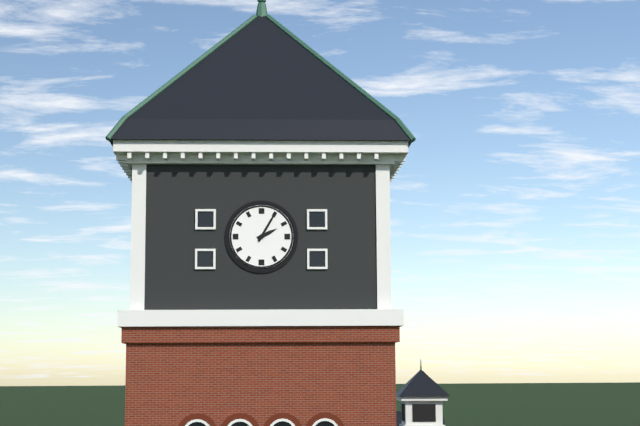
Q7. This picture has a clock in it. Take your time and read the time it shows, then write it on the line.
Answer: 2:05
